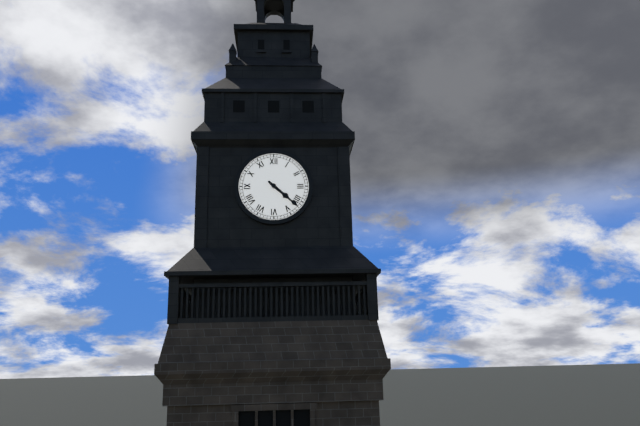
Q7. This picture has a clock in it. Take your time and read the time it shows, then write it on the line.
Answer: 4:22
